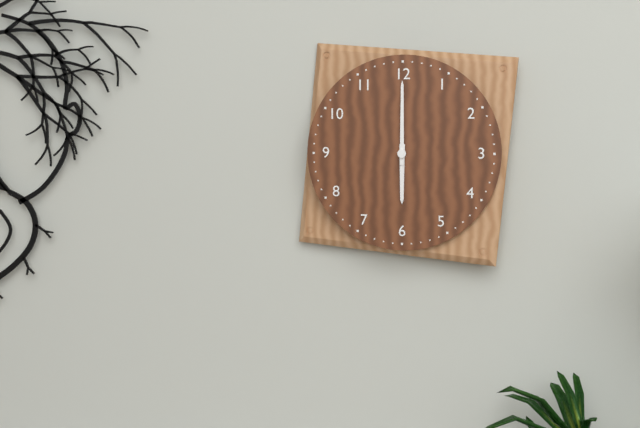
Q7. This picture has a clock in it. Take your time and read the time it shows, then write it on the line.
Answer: 6:00
